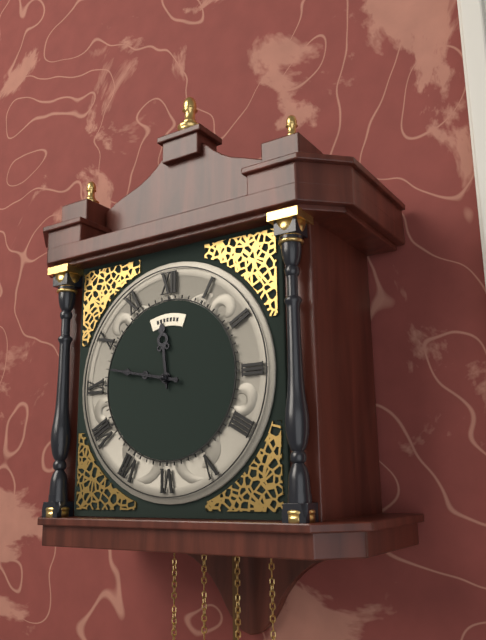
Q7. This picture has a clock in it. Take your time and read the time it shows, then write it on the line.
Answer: 11:47
